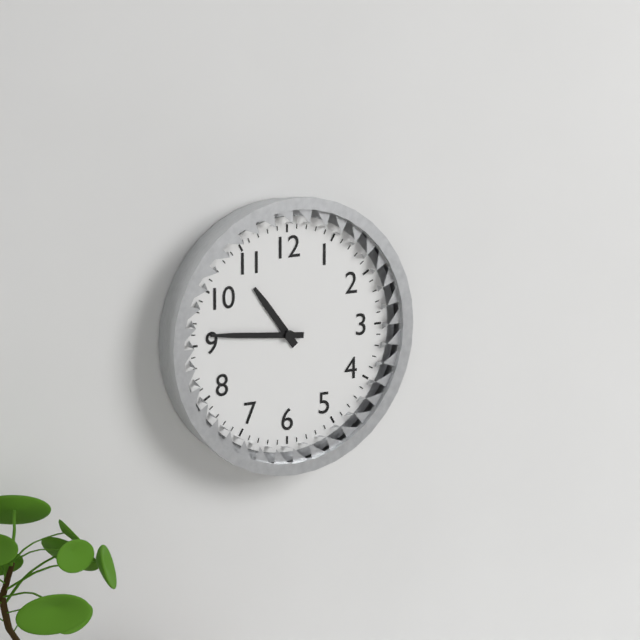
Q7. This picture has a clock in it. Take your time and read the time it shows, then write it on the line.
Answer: 10:46
